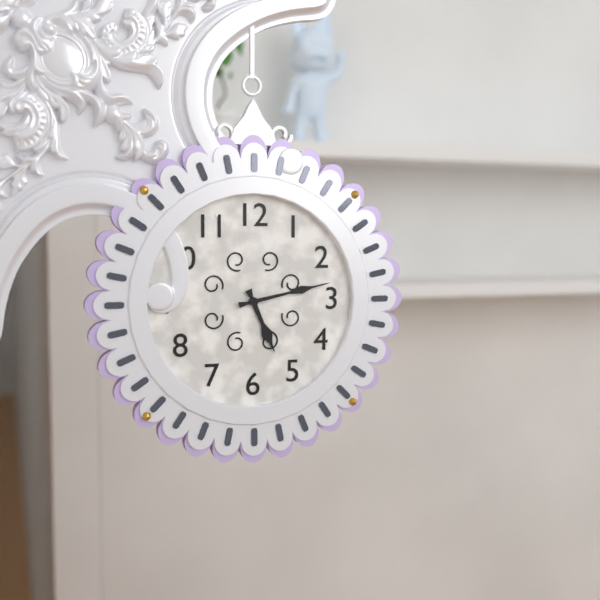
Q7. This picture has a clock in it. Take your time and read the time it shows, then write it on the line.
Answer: 5:13
